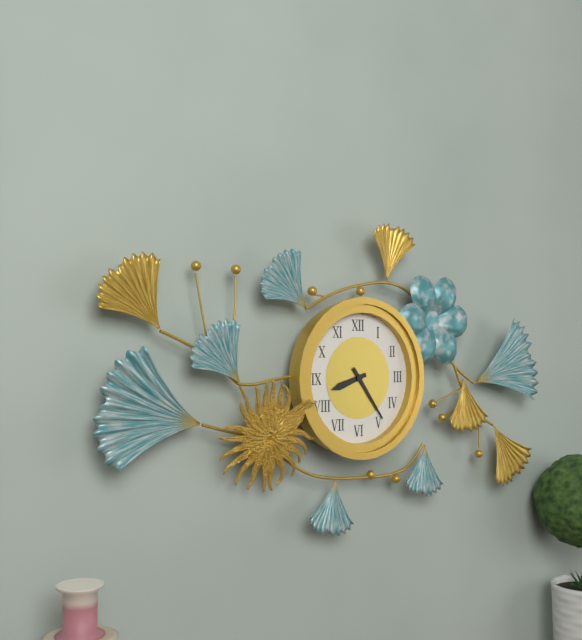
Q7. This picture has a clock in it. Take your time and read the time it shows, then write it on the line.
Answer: 8:24
